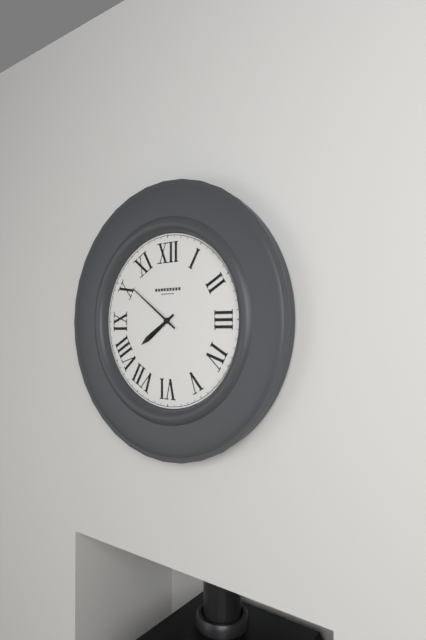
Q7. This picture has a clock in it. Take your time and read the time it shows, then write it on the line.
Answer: 7:51
